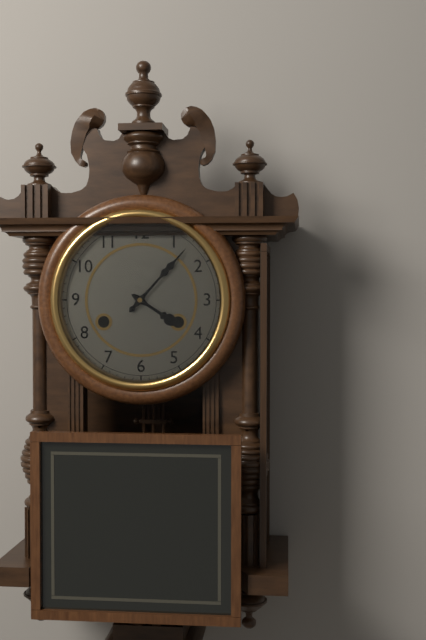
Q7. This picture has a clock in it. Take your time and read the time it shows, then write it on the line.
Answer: 4:07
